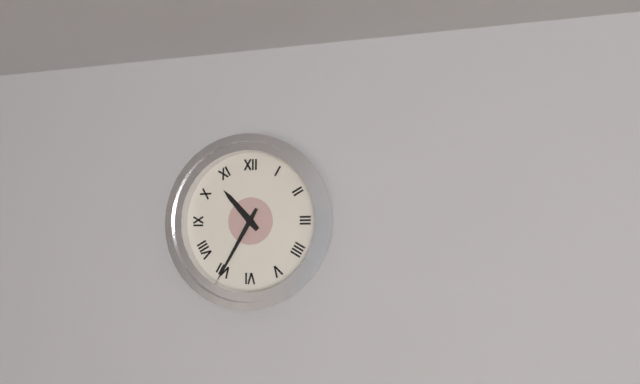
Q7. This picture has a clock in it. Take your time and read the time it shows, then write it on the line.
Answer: 10:35
